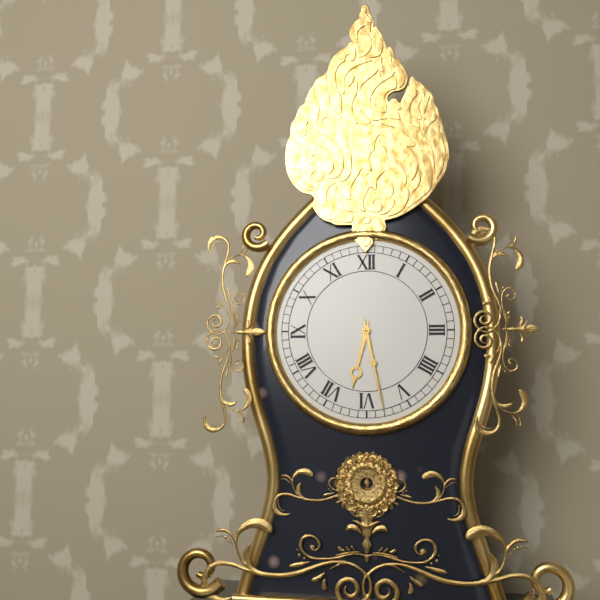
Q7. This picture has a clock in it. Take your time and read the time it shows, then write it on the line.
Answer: 6:28
